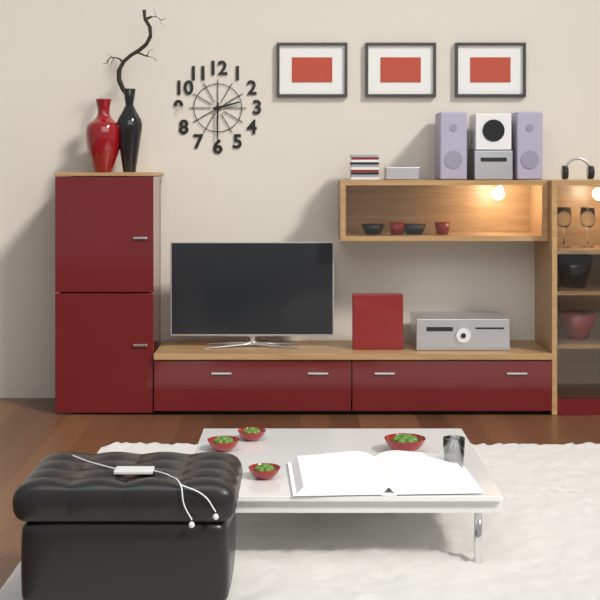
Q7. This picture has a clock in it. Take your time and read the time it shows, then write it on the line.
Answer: 2:30
